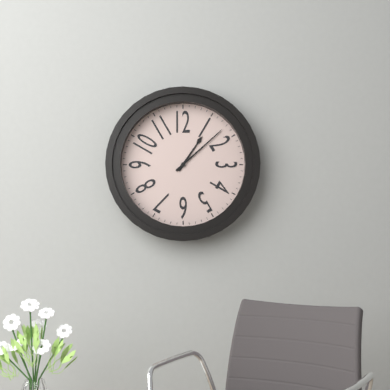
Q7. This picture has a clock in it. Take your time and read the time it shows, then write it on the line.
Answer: 1:08
